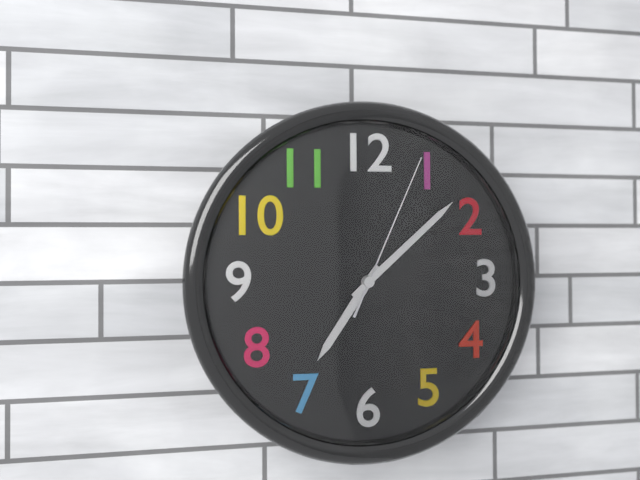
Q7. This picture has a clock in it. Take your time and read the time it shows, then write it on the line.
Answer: 7:08:04
